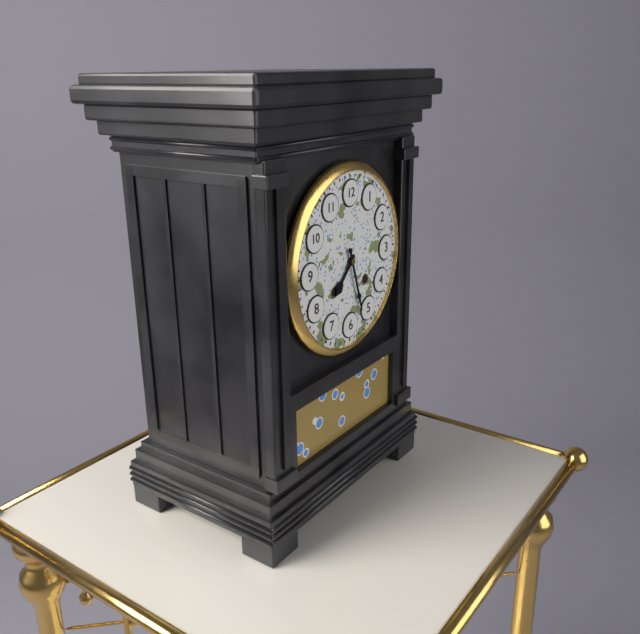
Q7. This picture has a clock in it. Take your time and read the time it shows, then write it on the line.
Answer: 7:27
